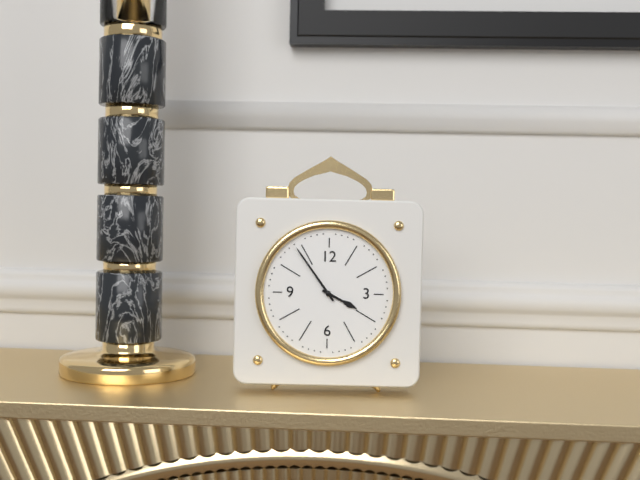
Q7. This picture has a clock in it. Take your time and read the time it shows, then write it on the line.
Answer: 3:54
